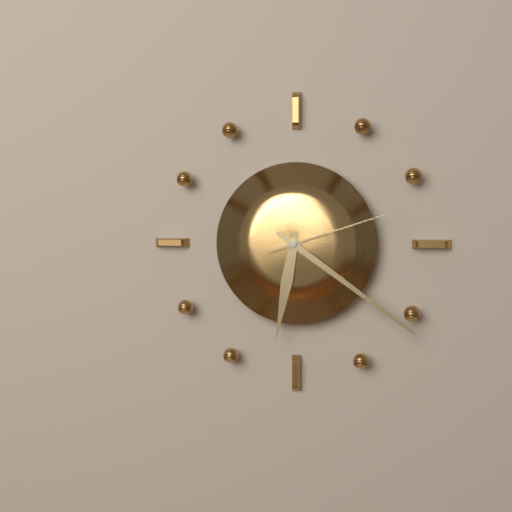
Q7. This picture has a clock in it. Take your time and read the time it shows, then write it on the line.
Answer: 6:21:12
